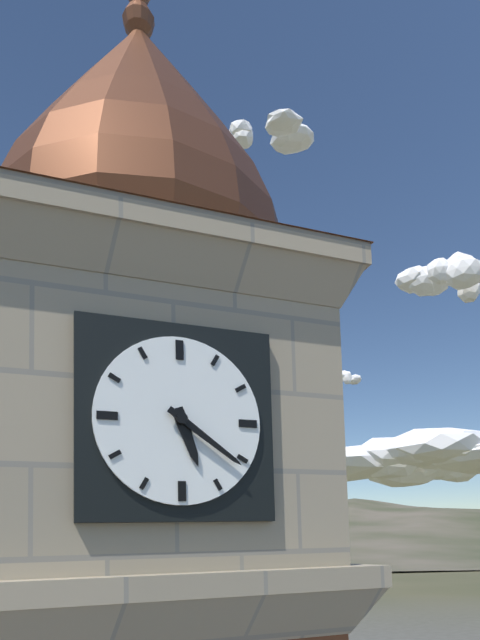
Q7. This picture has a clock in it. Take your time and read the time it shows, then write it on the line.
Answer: 5:21
